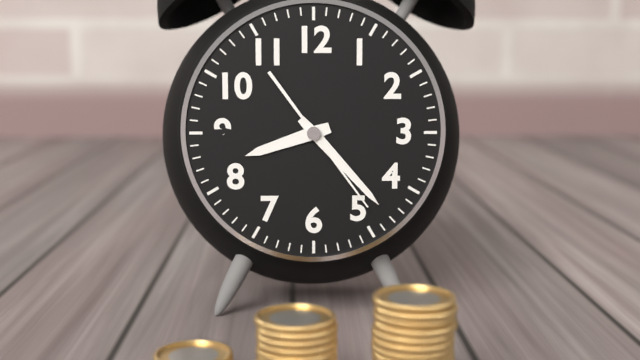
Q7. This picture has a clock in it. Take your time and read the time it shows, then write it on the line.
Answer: 8:23:24
